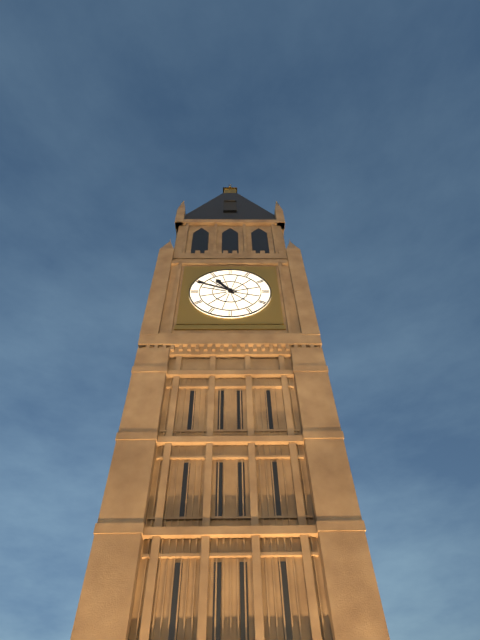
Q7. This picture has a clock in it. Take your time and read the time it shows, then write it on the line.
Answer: 10:49
